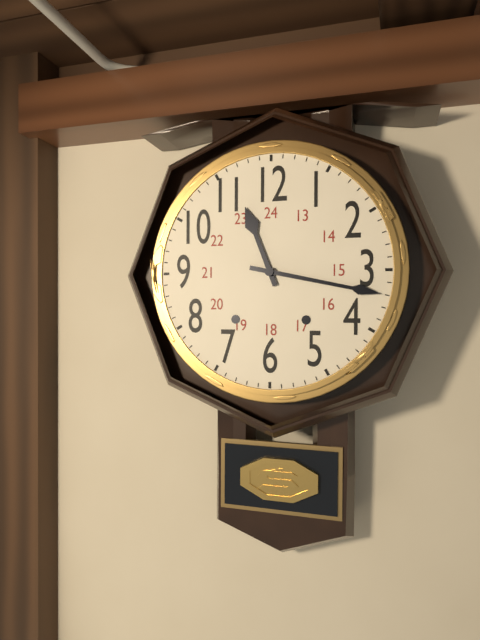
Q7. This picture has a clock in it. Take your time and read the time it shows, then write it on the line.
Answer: 11:17
